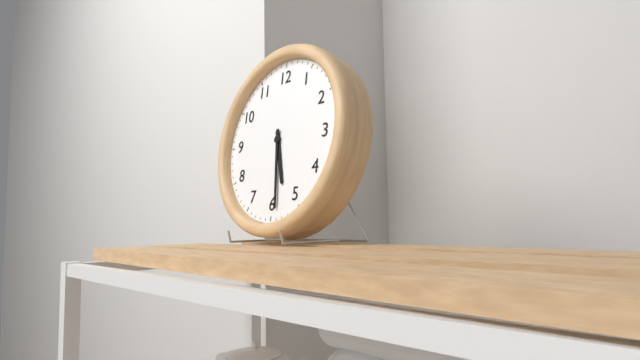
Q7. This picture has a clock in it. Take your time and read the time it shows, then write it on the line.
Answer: 5:29
